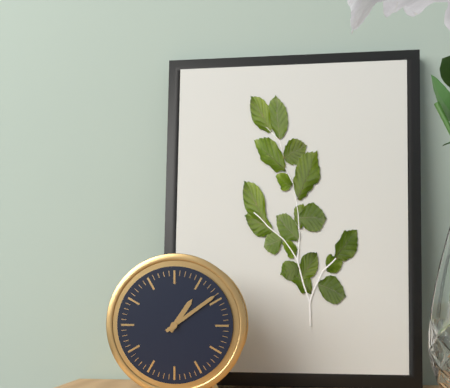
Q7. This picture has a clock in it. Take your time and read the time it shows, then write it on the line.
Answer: 1:09
